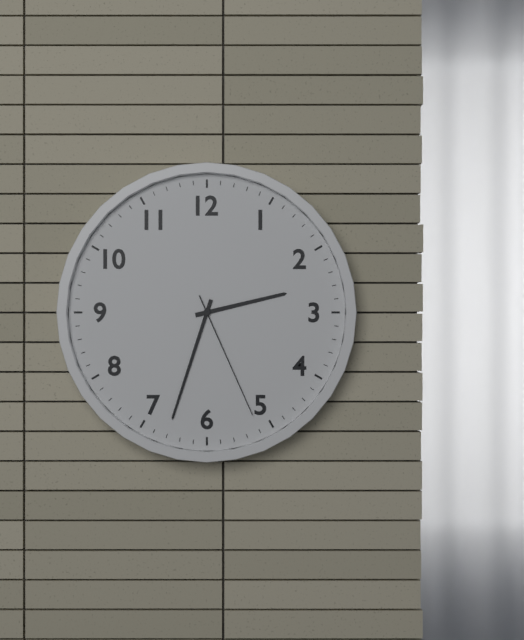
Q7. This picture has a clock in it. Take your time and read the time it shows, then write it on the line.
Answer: 2:33:26
